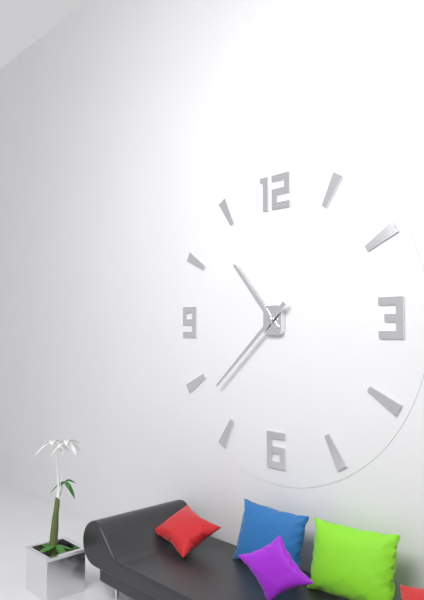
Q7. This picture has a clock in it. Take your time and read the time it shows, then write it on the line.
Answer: 10:38
